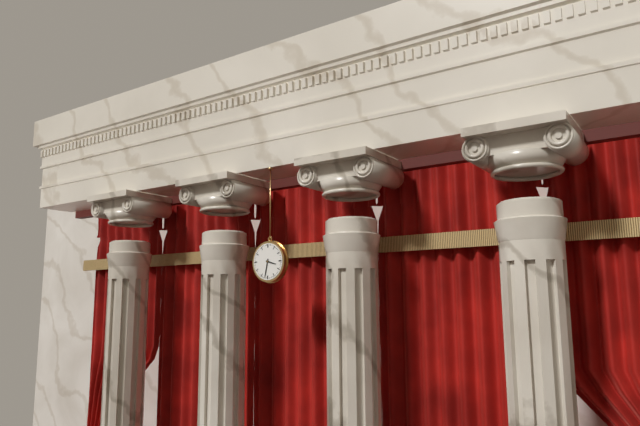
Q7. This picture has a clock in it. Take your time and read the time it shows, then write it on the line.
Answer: 3:32
